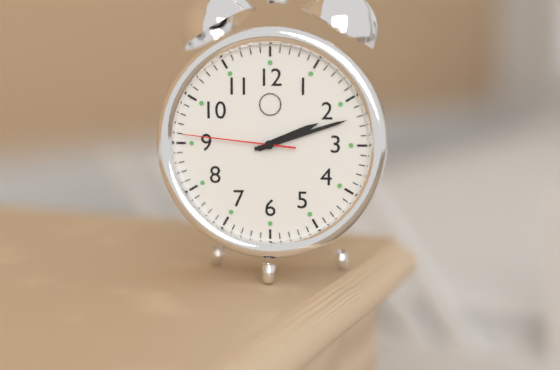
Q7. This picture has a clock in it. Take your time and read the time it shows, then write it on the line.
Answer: 2:12:46
